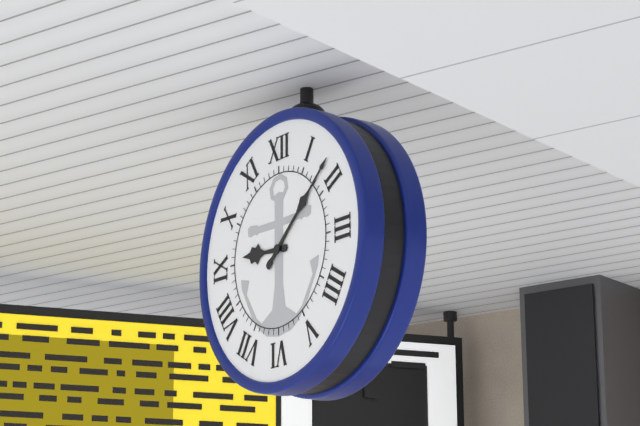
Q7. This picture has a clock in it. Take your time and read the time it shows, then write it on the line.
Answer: 9:08
